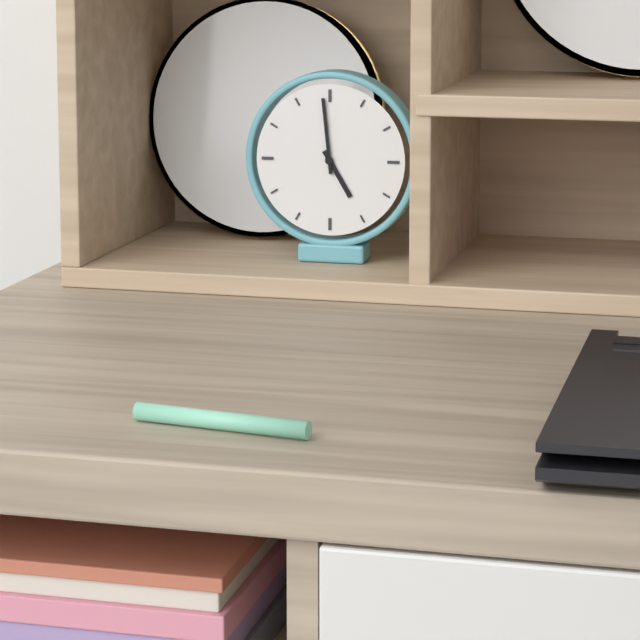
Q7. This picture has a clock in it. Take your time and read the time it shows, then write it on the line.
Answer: 4:59
